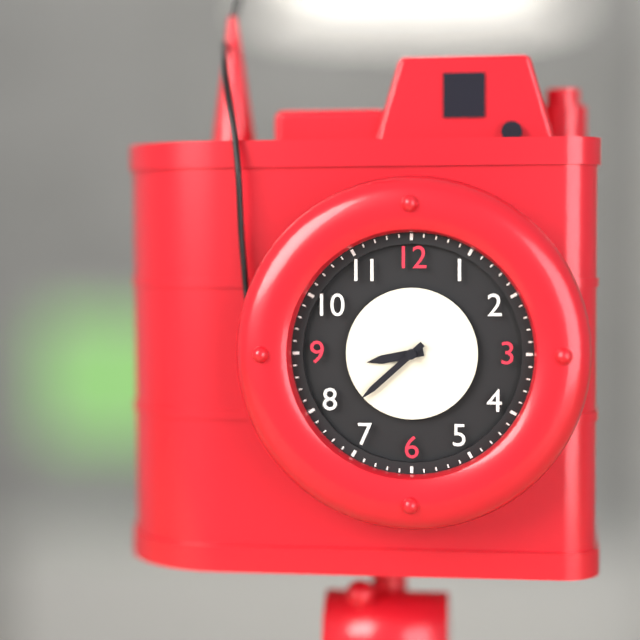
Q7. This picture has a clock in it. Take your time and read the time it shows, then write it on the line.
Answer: 8:38
